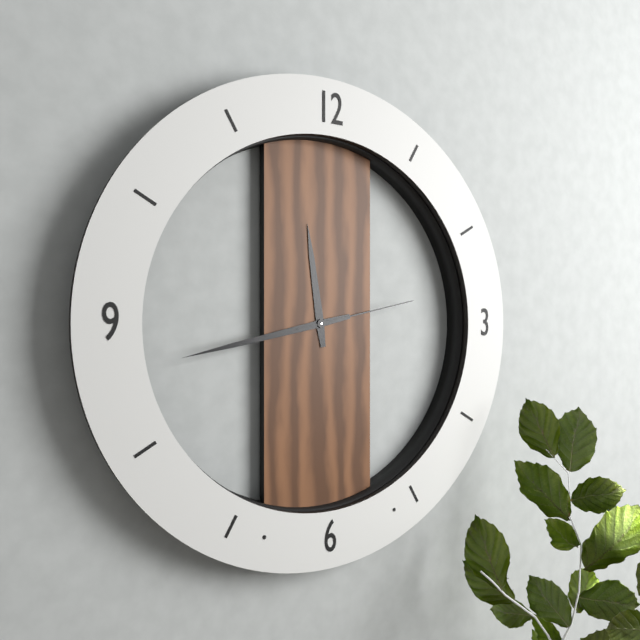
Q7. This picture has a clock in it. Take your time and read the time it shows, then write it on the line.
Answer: 11:43:13
